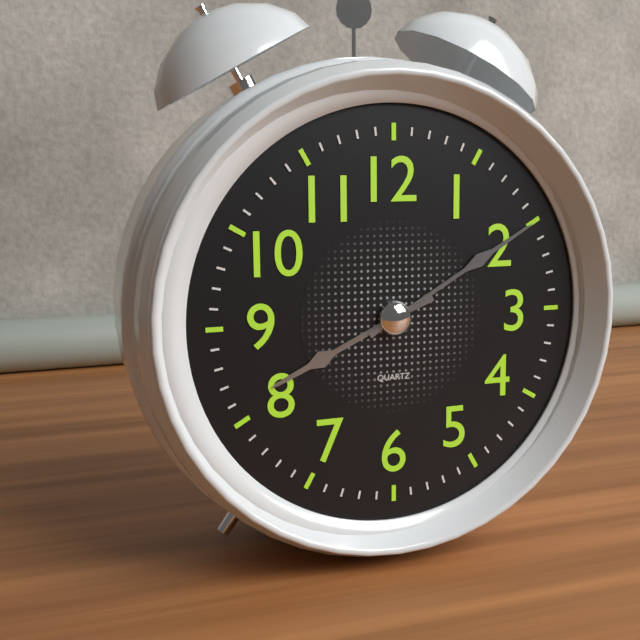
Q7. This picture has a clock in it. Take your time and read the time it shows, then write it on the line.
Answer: 8:10
